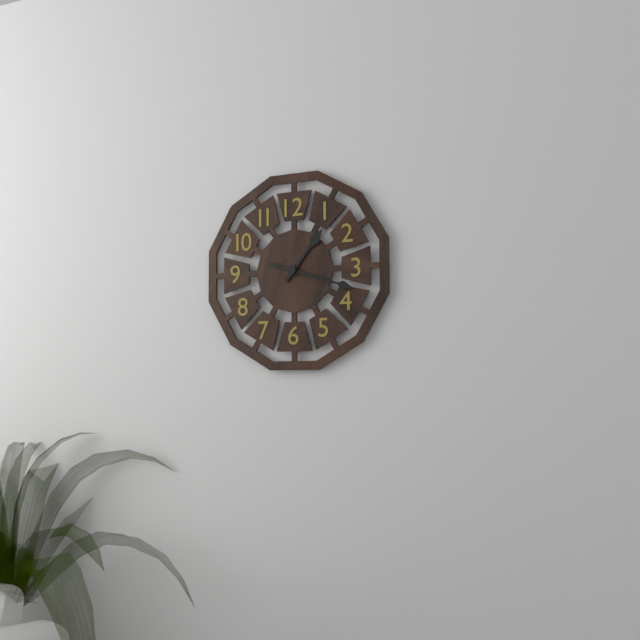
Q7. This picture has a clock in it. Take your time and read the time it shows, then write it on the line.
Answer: 1:18
